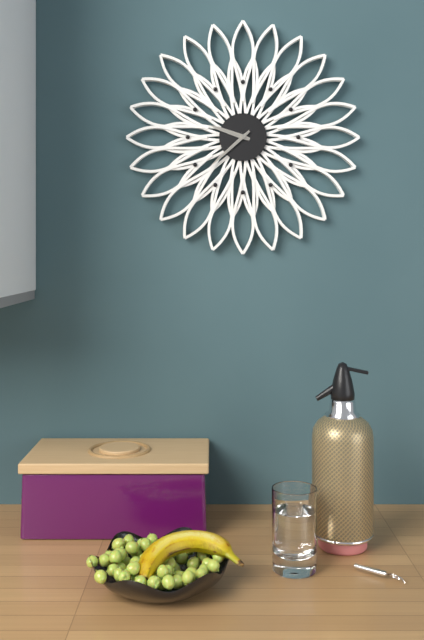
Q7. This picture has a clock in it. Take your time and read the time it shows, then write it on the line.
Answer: 9:38
